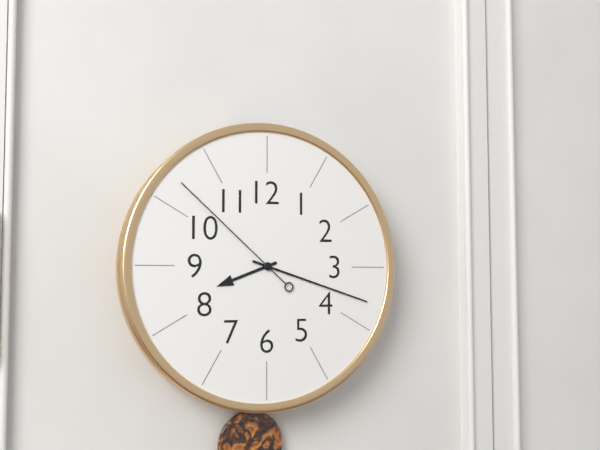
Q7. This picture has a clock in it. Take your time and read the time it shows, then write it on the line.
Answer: 8:18:52
